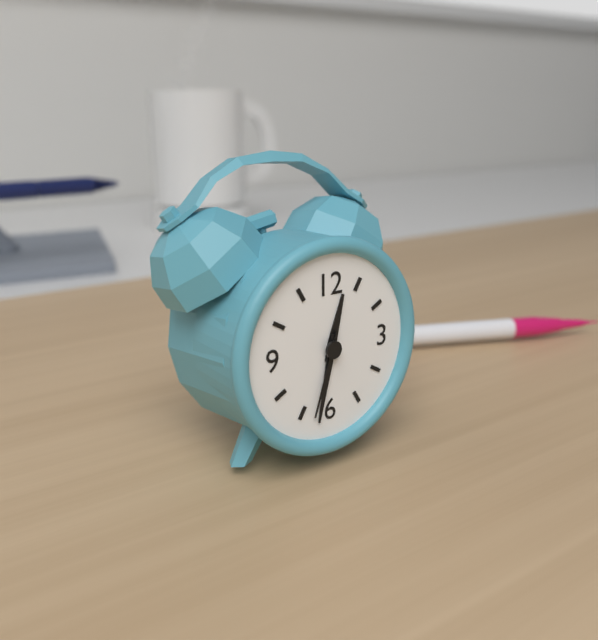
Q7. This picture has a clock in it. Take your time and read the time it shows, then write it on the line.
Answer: 12:32:33
